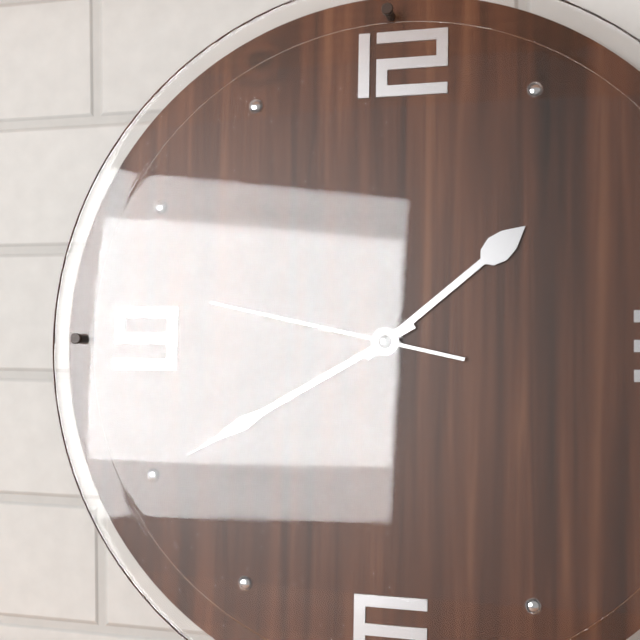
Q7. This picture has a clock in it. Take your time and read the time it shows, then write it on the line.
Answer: 1:40:47
